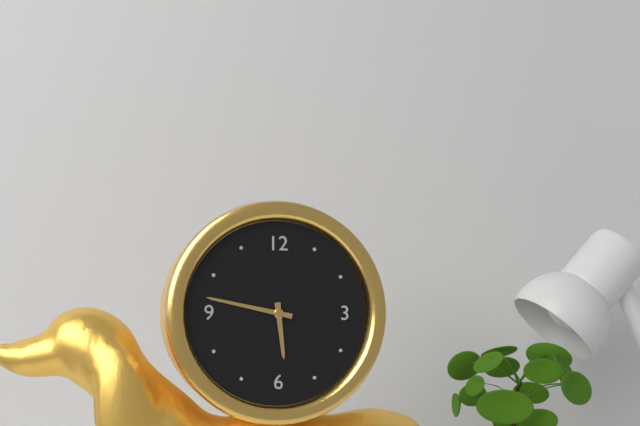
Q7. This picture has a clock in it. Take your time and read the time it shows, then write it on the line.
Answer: 5:47
